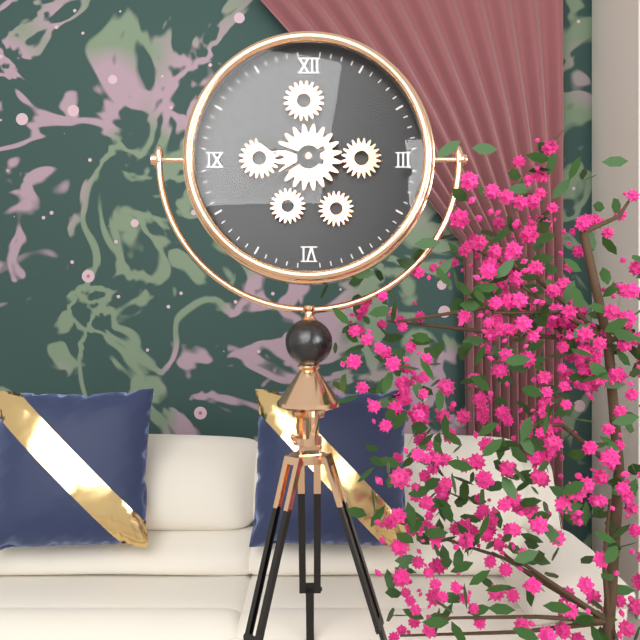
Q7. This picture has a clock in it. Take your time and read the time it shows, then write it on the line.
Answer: 9:40
